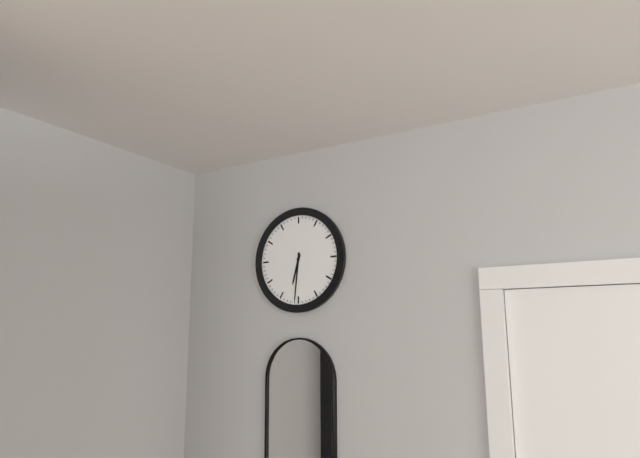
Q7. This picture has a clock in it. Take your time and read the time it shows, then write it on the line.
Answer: 6:31
